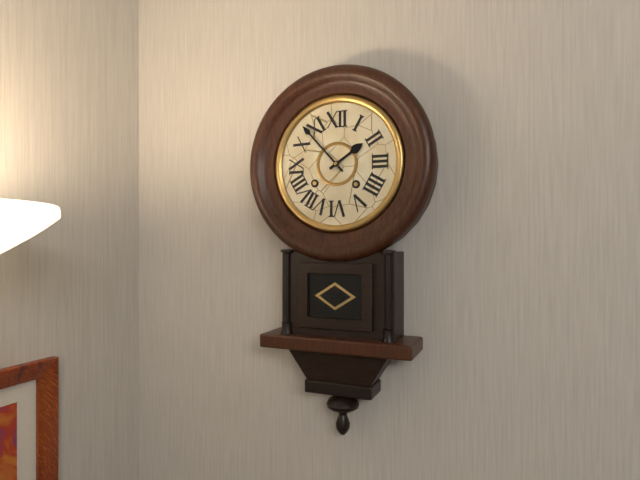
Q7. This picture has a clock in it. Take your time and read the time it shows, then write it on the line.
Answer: 1:53
